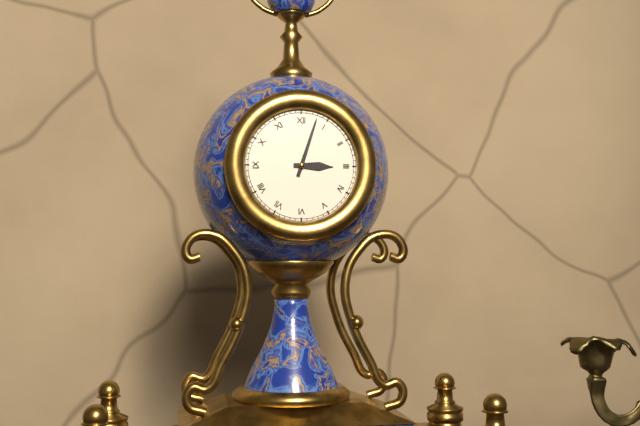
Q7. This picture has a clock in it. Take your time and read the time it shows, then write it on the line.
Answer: 3:03
